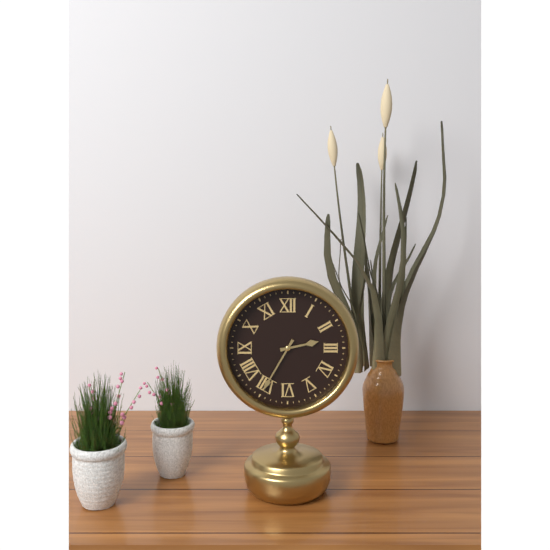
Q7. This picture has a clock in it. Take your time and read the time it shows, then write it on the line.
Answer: 2:35
